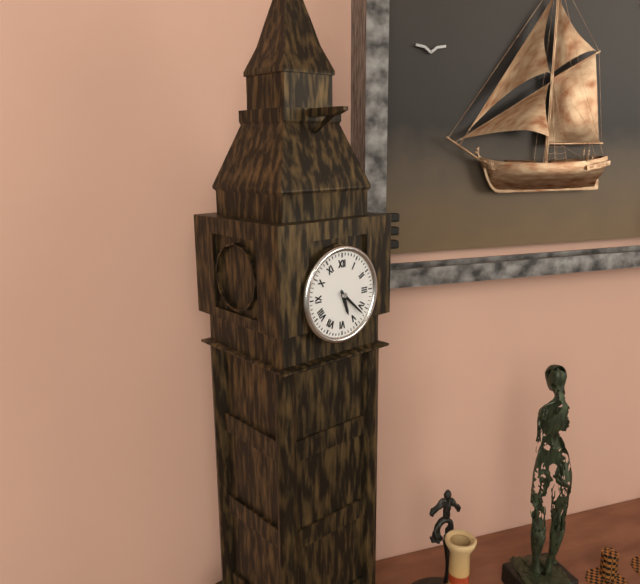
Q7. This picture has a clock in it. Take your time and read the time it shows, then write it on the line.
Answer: 5:22
